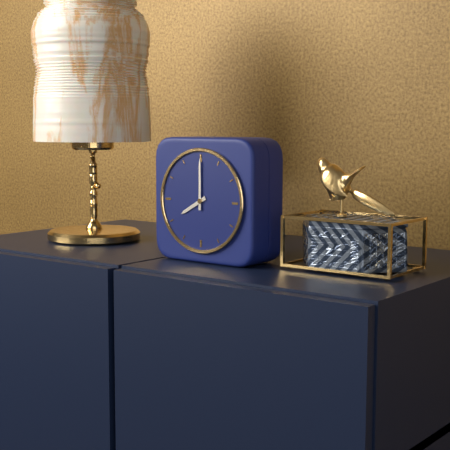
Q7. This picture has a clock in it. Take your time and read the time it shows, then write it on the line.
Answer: 8:00
